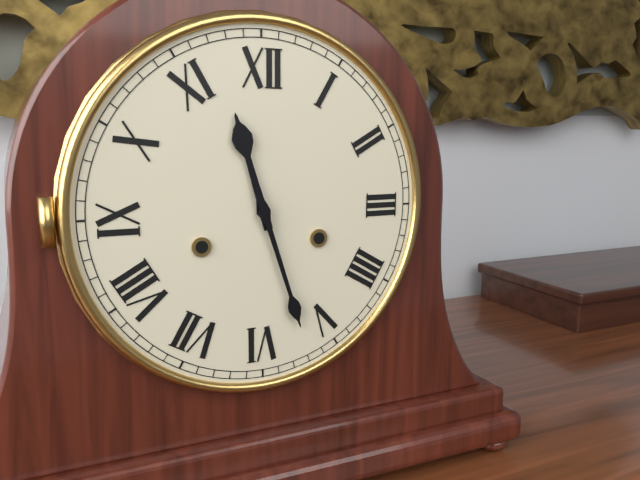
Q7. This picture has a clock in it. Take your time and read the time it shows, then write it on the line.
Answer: 11:27
